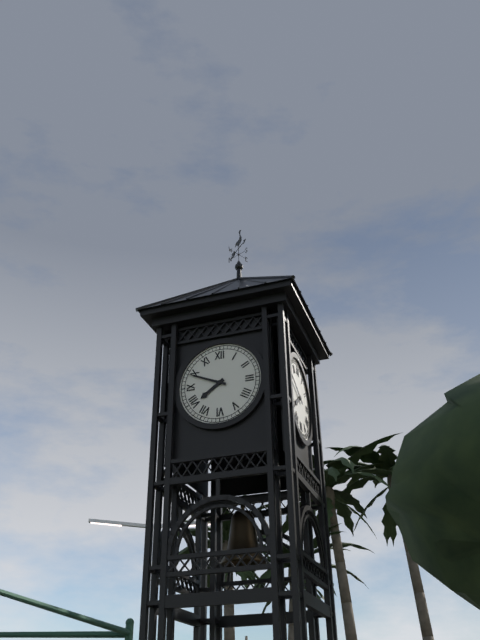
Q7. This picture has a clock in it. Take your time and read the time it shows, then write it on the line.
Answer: 7:49
